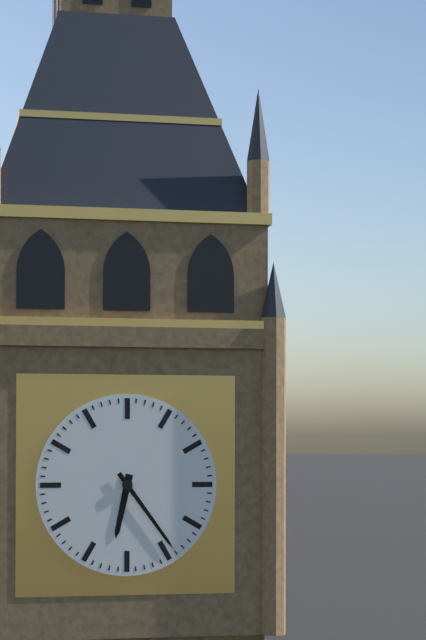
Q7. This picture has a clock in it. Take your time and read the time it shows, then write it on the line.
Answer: 6:24
